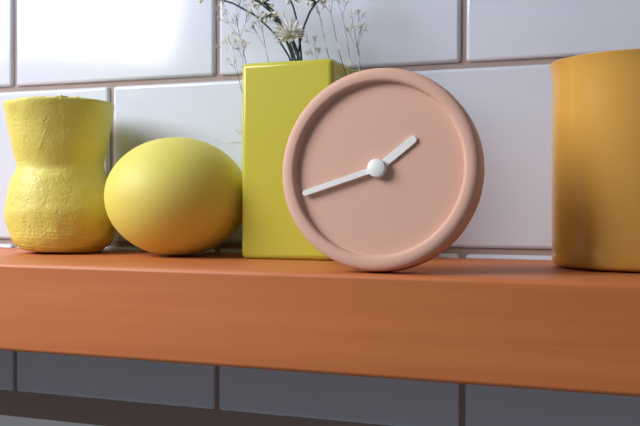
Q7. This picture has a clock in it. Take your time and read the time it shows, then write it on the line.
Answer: 1:42
